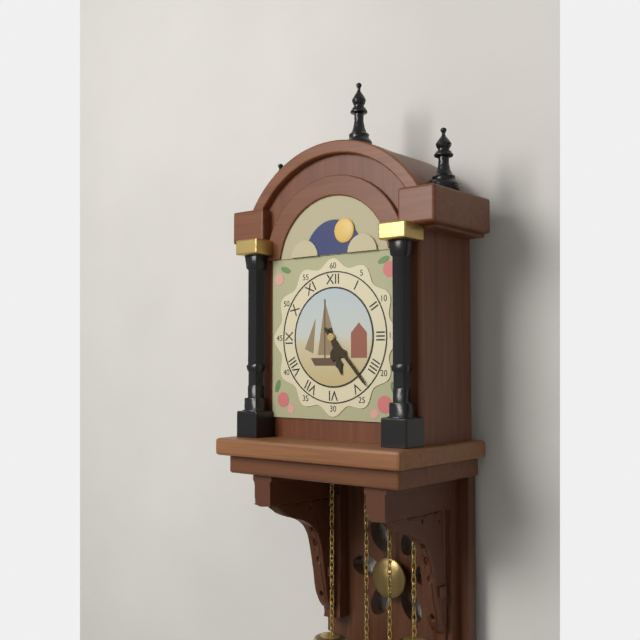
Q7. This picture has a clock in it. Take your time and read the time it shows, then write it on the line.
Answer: 5:23
